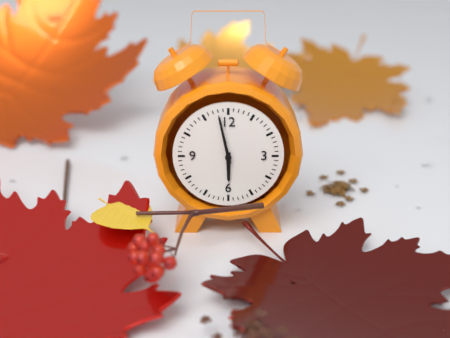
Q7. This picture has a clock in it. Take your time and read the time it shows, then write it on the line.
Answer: 5:58
